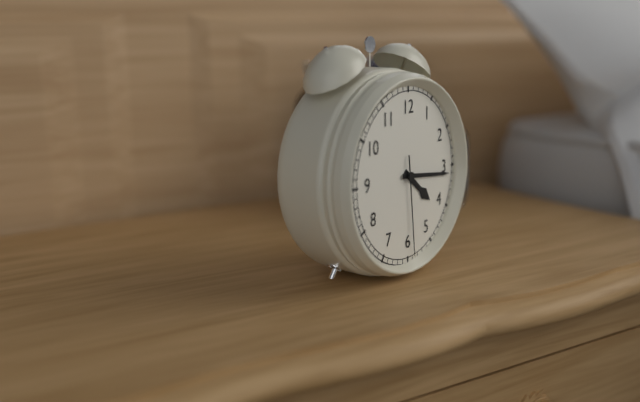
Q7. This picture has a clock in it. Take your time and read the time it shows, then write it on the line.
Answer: 4:16:29
